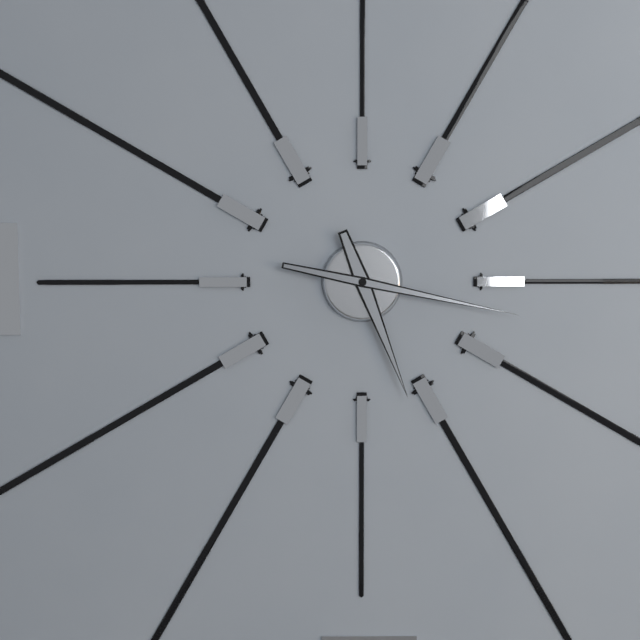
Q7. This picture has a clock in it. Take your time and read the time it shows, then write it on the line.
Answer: 5:17
